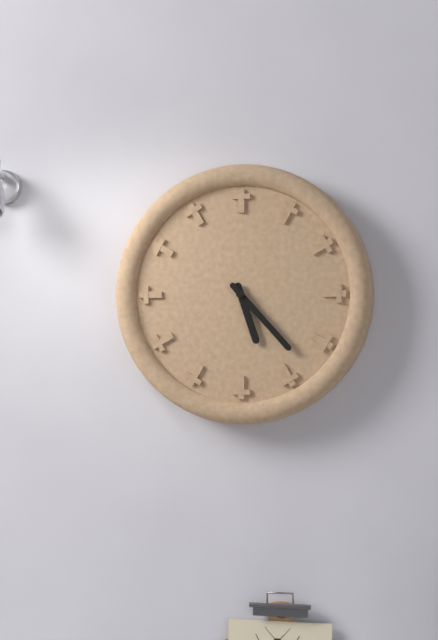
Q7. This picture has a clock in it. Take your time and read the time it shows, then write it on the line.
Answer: 5:23
